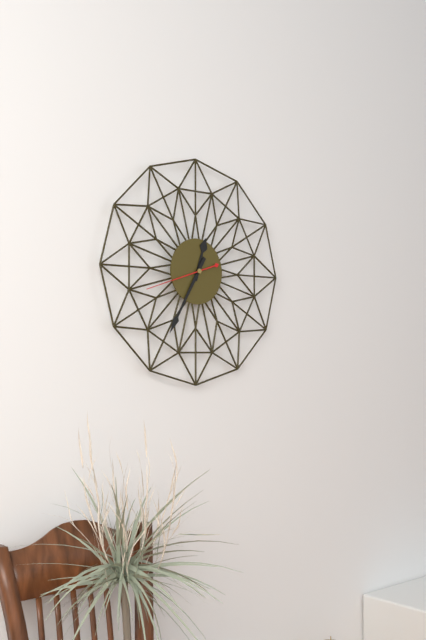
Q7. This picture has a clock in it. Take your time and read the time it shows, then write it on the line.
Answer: 12:35:42
